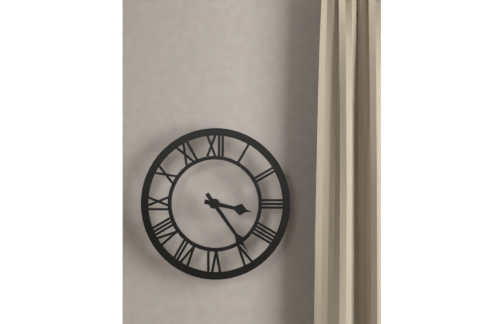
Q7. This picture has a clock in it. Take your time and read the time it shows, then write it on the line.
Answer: 3:24
